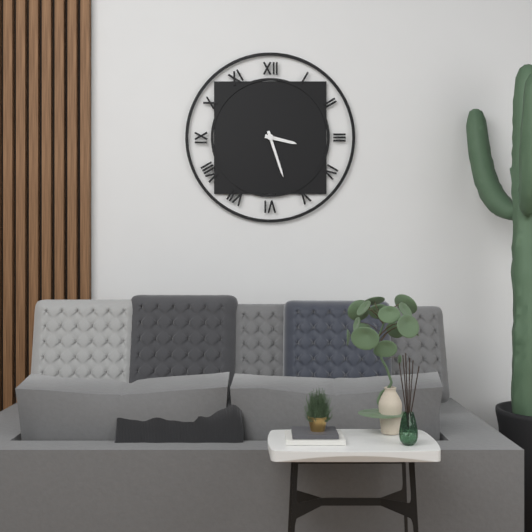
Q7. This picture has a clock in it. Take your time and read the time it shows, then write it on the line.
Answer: 3:27
